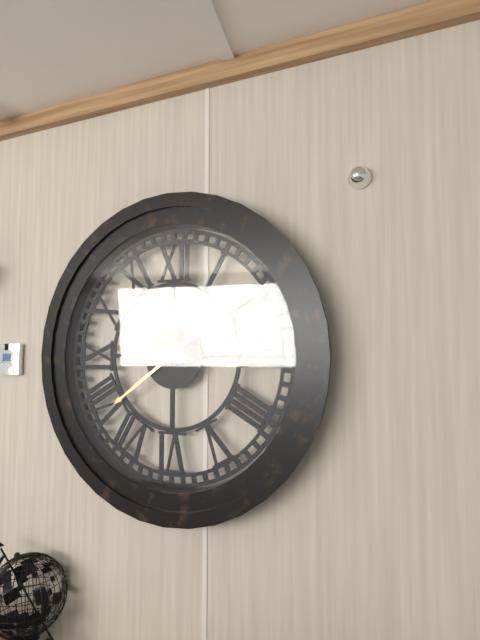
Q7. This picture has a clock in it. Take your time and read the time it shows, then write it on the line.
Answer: 9:39
